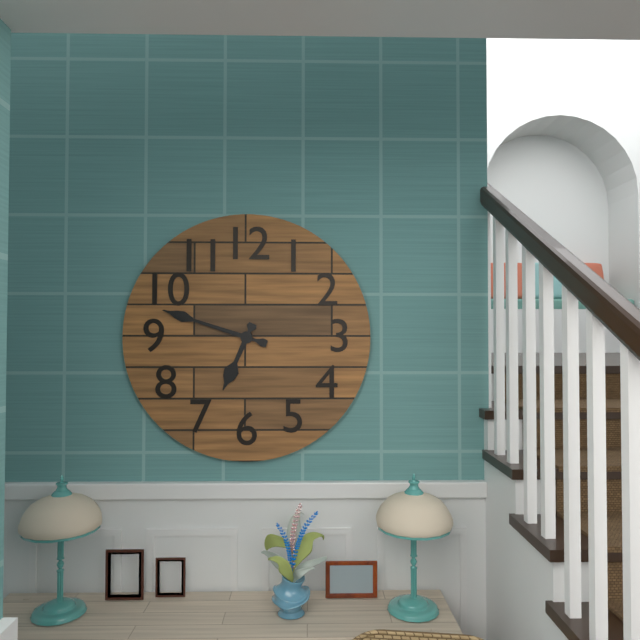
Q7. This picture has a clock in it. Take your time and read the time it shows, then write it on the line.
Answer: 6:48
